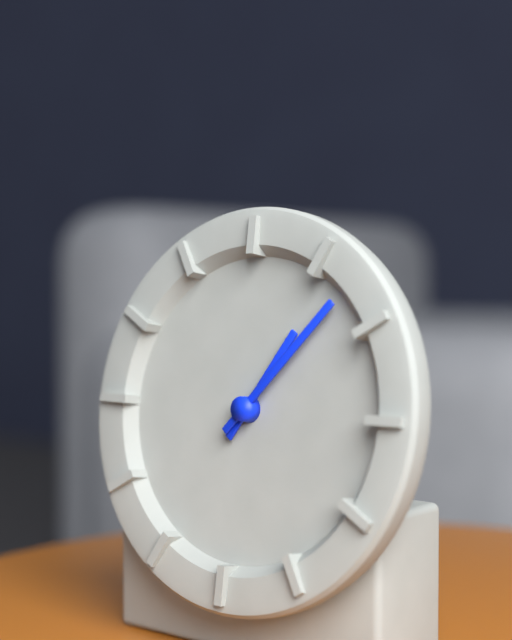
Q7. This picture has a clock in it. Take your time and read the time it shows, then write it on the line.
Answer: 1:07
